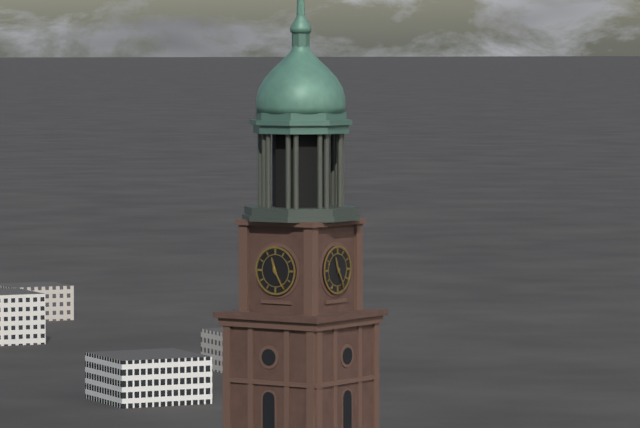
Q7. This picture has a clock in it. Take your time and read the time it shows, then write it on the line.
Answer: 11:25
